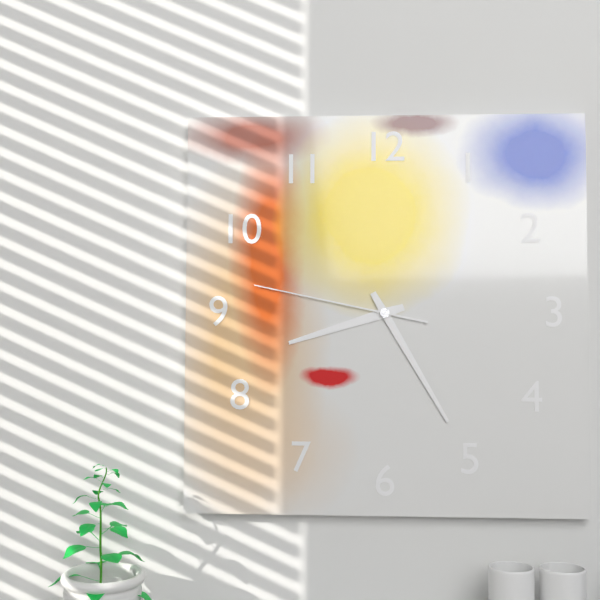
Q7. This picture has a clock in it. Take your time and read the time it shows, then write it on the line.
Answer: 8:25:47
